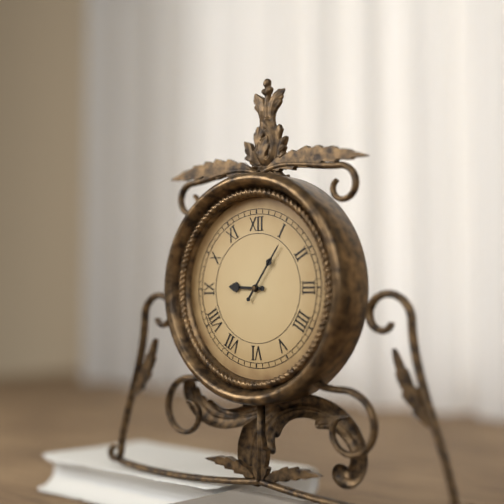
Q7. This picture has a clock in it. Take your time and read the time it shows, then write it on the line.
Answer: 9:06
